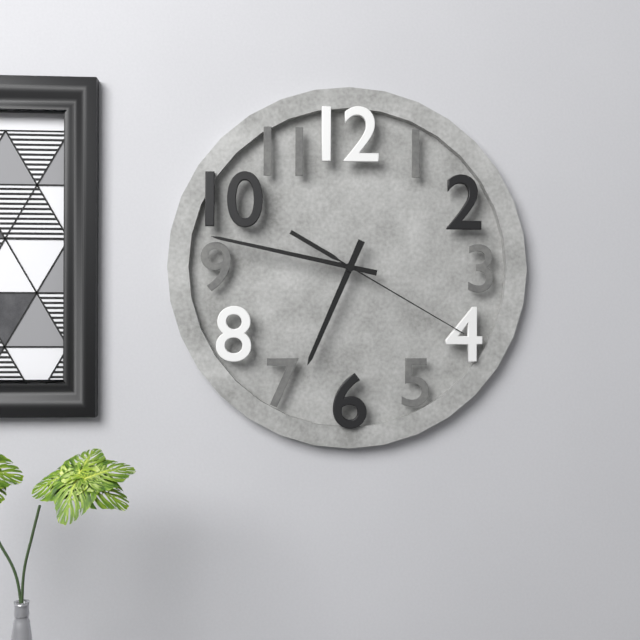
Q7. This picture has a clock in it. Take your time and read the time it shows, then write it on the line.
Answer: 6:47:20
